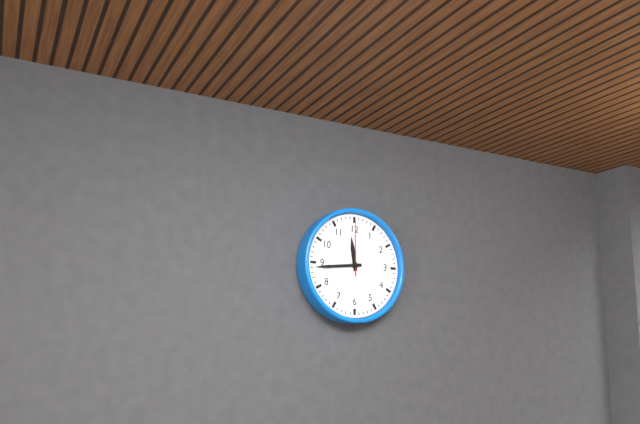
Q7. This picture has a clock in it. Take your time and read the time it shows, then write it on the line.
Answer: 11:44:00
